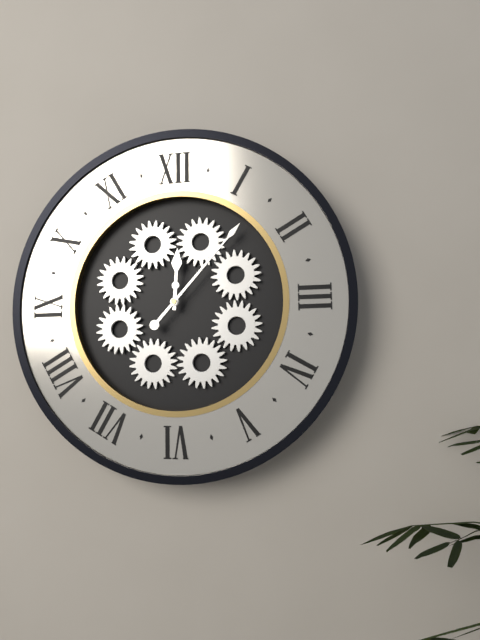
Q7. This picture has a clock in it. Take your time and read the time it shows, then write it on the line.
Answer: 12:07
